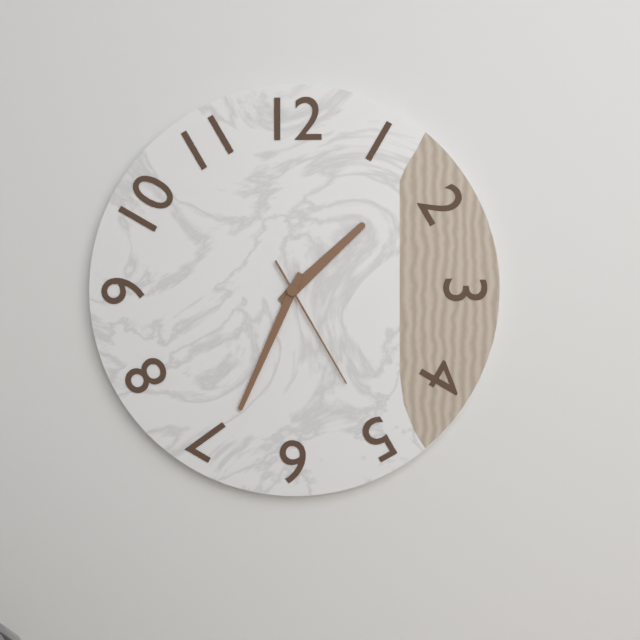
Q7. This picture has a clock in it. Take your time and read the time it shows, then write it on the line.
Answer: 1:34:25
